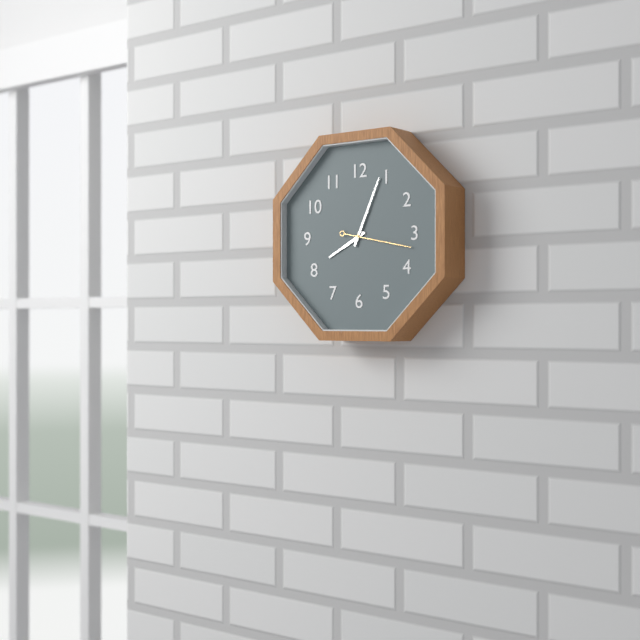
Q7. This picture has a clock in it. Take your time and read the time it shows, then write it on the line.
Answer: 8:04:17
